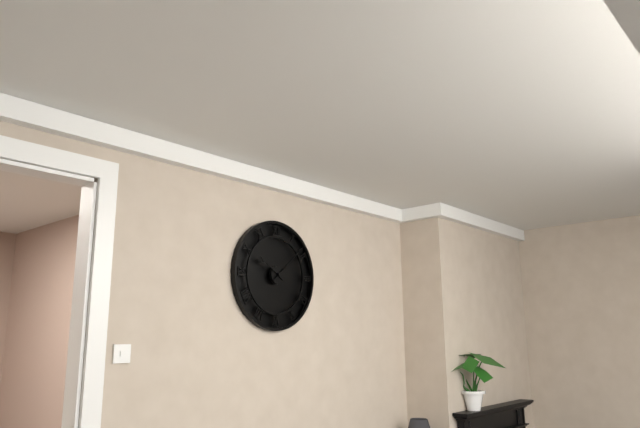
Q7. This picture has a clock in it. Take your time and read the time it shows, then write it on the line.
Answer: 10:08
